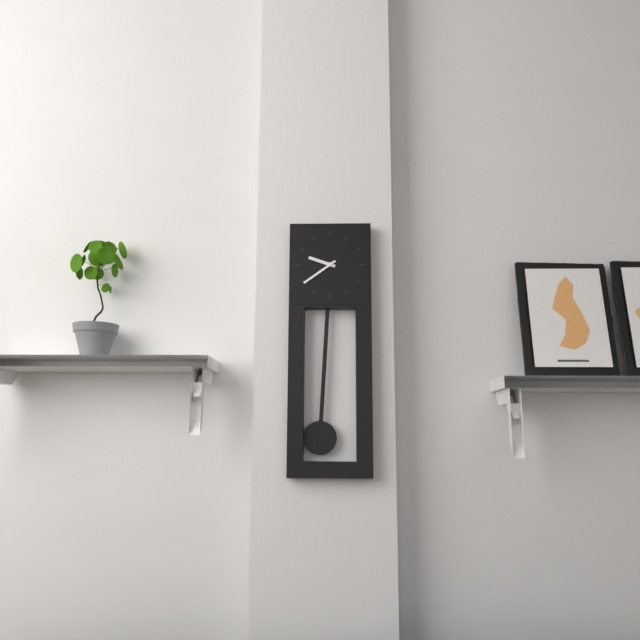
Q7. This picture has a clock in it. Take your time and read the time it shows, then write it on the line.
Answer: 9:39
